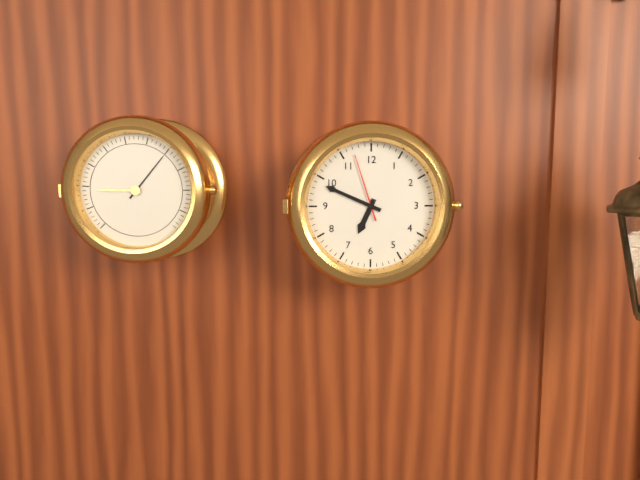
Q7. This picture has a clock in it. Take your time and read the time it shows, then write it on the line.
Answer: 6:49:57
